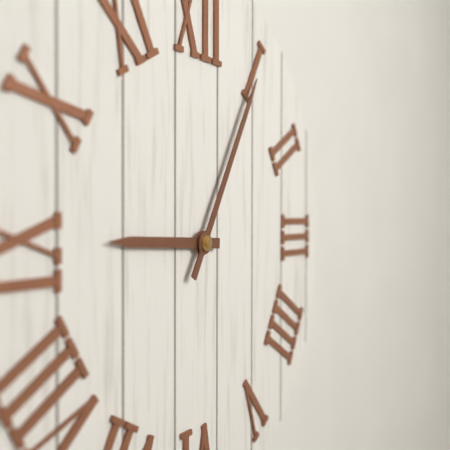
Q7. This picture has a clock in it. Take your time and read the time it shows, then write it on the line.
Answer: 9:05
